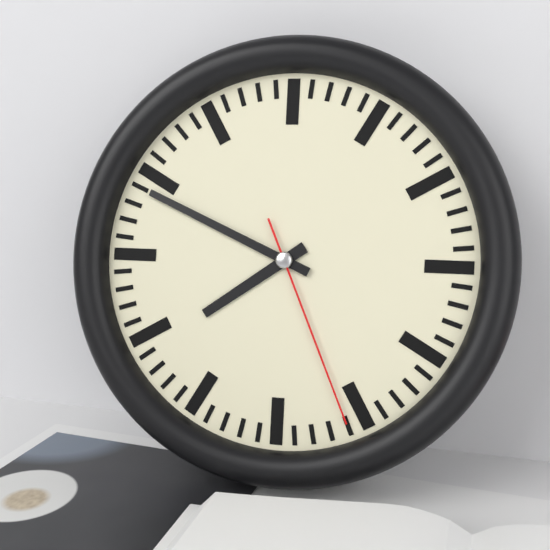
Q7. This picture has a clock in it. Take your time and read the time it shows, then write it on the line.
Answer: 7:49:26
